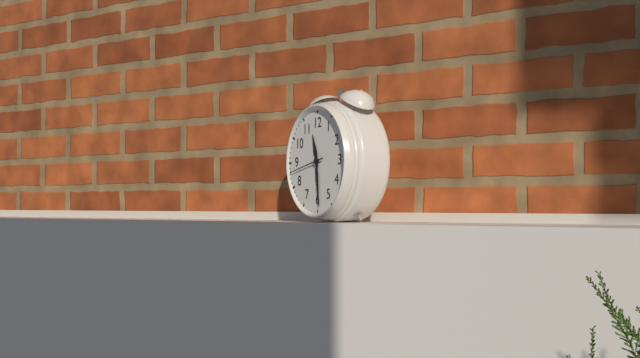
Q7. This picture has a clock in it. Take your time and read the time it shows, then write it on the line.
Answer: 11:29
